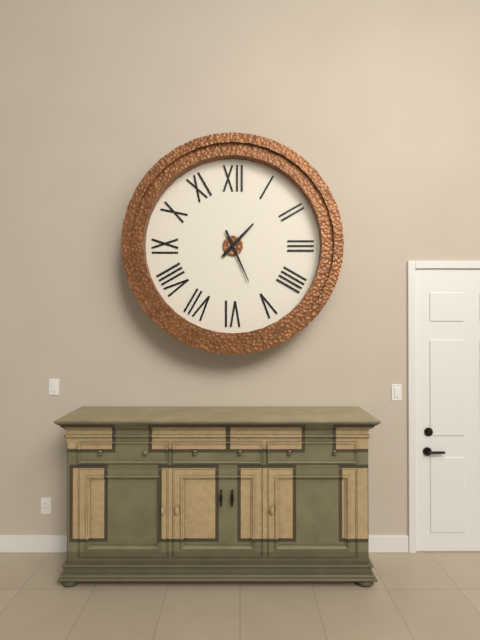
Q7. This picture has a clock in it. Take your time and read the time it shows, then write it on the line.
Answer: 1:26
